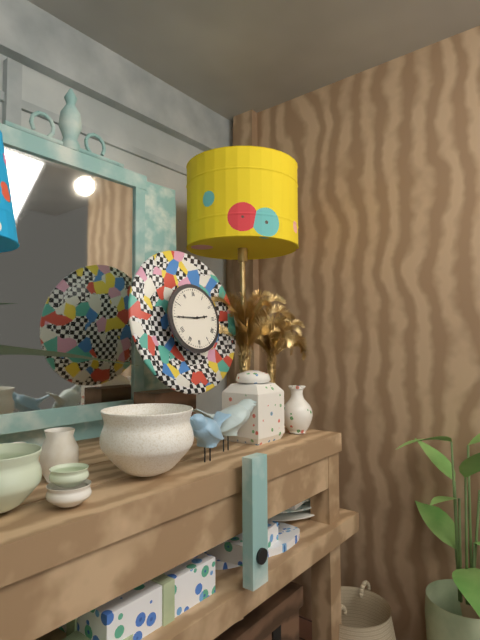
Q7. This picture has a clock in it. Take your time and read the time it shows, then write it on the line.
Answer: 2:45
